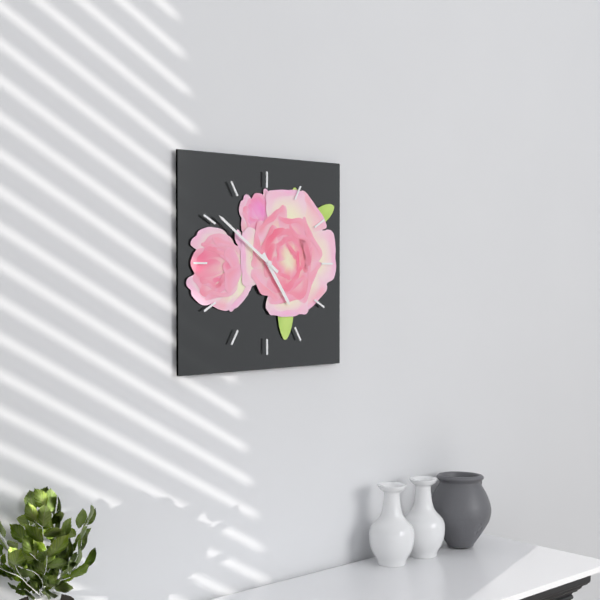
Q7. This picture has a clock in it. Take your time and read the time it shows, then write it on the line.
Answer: 4:51
